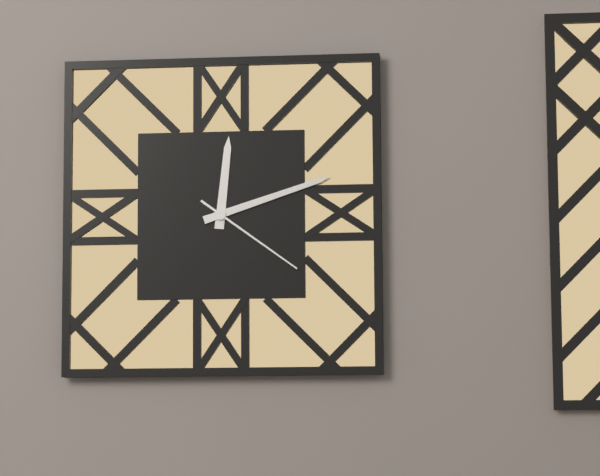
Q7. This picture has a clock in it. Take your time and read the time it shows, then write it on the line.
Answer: 12:12:21
